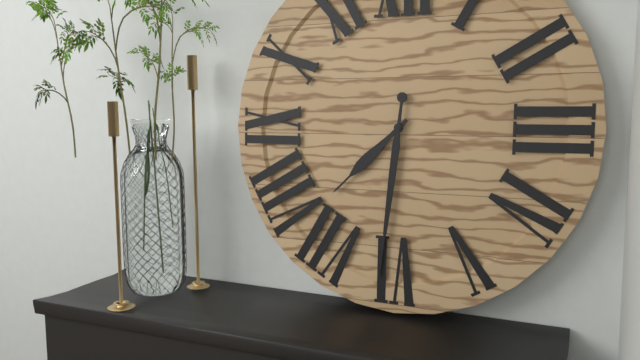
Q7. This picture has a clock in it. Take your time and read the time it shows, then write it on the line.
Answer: 7:31
